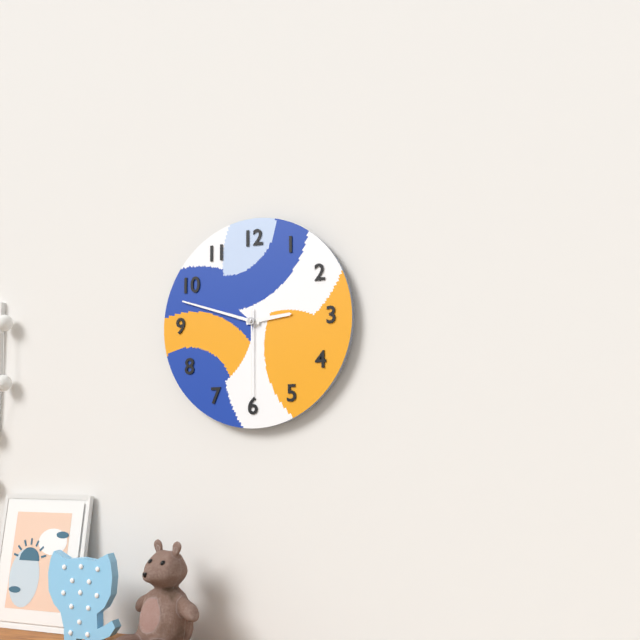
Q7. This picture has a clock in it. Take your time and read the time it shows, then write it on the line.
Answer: 2:48:30
